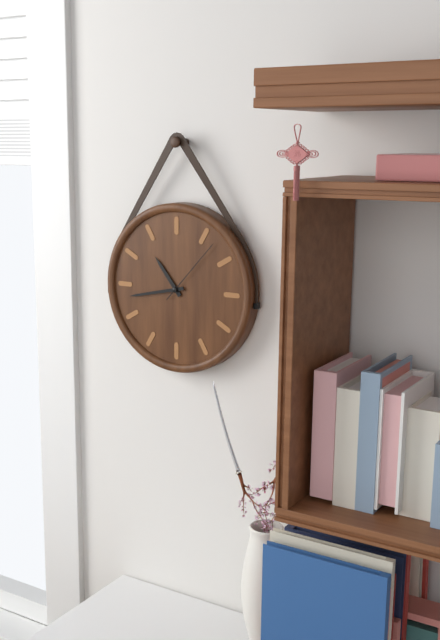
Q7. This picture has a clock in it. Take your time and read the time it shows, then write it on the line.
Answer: 10:43:07
